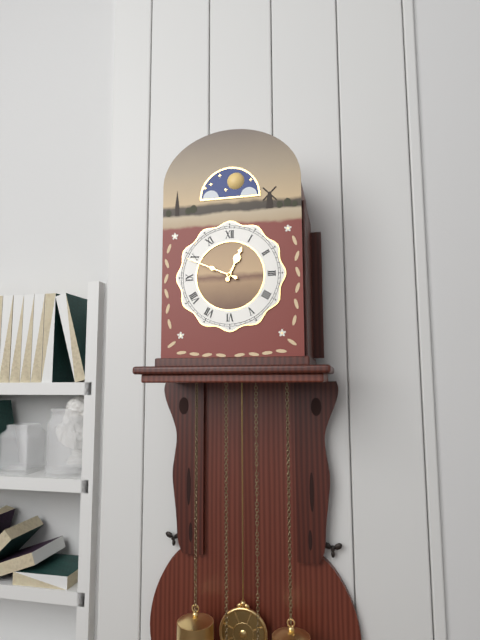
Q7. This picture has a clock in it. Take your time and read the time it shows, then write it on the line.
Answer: 12:49
